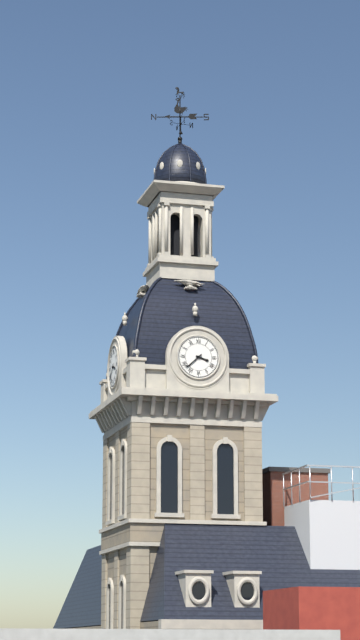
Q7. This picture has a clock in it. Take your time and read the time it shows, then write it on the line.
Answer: 3:38
